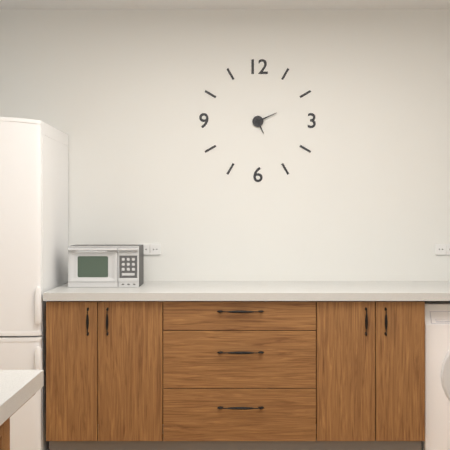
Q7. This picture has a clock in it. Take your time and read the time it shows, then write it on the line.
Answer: 5:11
